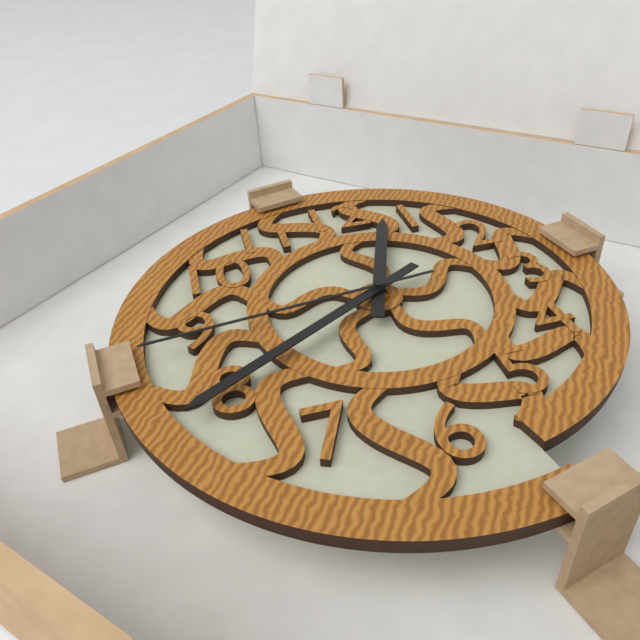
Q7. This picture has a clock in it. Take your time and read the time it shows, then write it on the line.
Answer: 12:40:44
